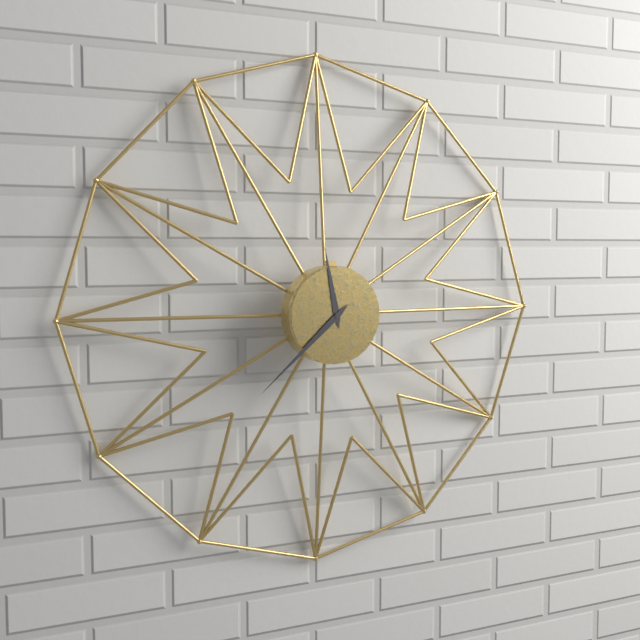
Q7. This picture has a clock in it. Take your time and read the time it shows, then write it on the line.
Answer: 11:38
